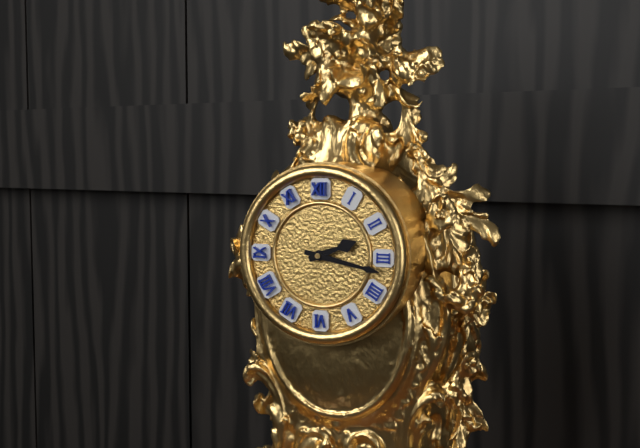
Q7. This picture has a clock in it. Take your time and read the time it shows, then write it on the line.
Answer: 2:17
